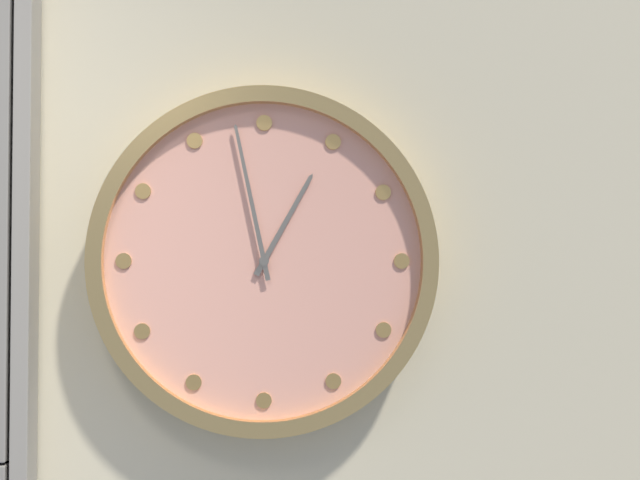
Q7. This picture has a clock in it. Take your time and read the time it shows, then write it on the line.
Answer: 12:58
